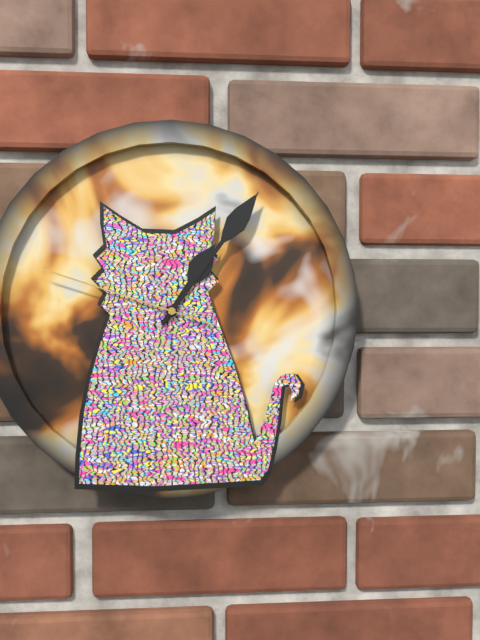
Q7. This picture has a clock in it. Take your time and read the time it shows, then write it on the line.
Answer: 1:06:48
